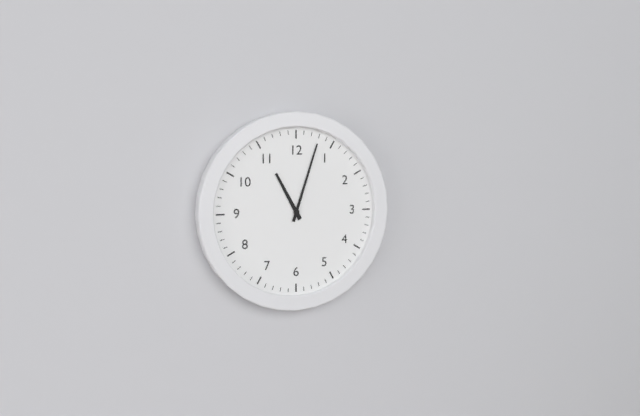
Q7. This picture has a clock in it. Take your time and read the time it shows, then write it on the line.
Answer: 11:03
